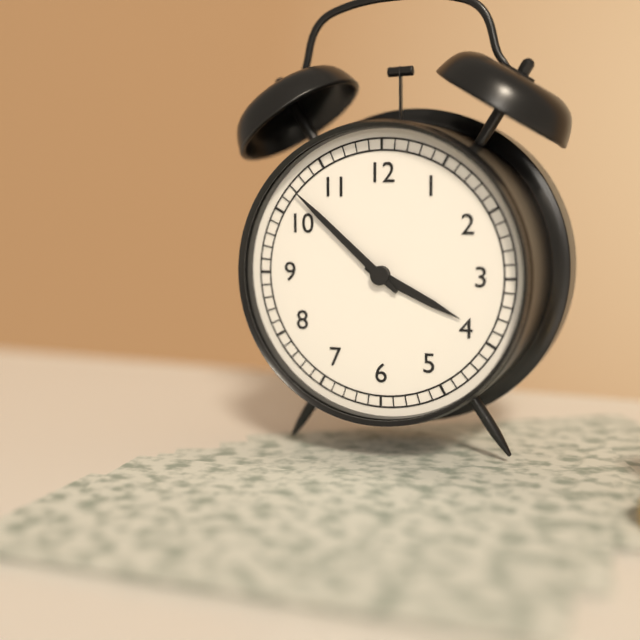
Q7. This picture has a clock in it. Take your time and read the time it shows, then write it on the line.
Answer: 3:52
